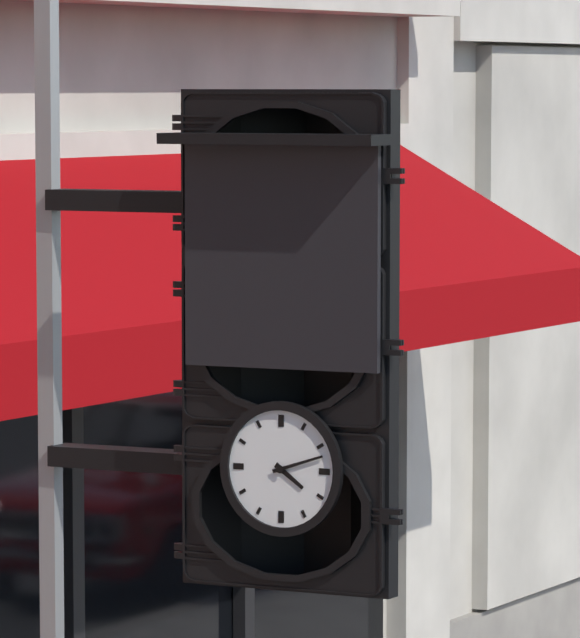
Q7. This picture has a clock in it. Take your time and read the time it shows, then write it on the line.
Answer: 4:12
